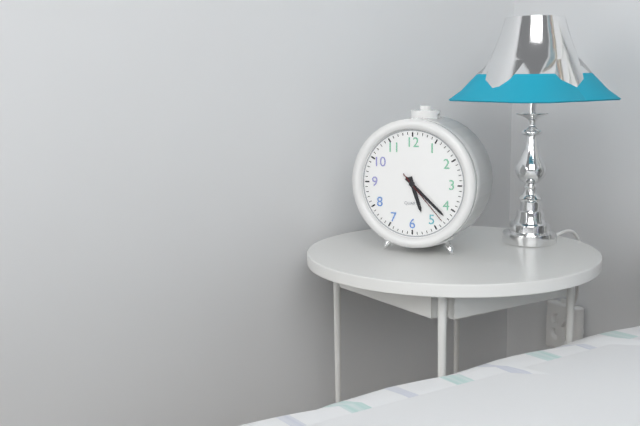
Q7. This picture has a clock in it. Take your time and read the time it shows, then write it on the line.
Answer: 5:22:23
